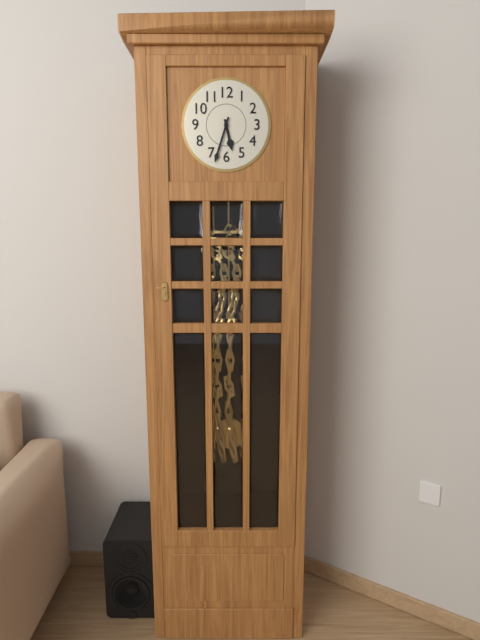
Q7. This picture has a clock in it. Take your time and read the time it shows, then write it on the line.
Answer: 5:33
